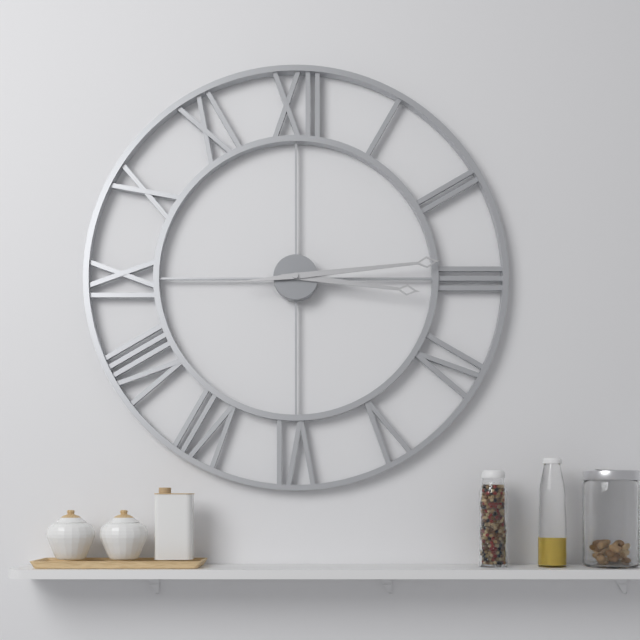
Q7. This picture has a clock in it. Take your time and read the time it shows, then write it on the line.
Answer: 3:14
